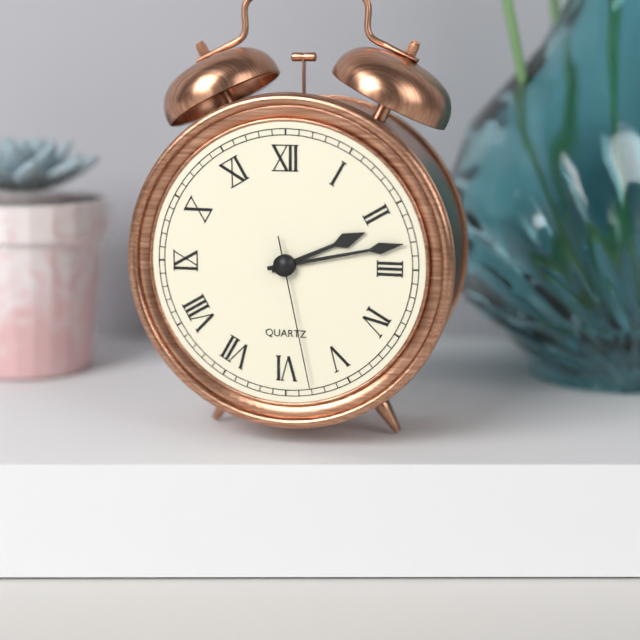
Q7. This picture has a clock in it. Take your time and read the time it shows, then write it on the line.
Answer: 2:13:28
